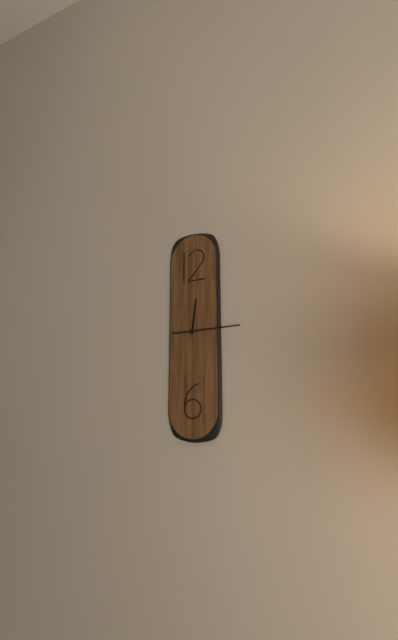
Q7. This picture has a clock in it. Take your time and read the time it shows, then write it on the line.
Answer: 12:15
